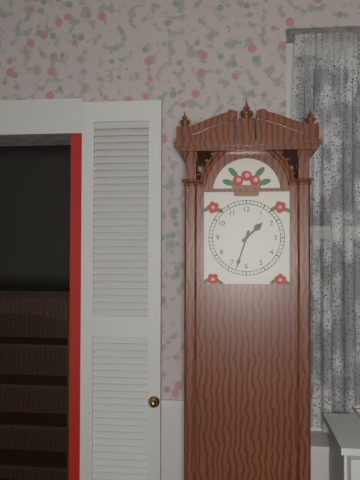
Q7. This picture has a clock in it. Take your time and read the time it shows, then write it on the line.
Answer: 1:33
